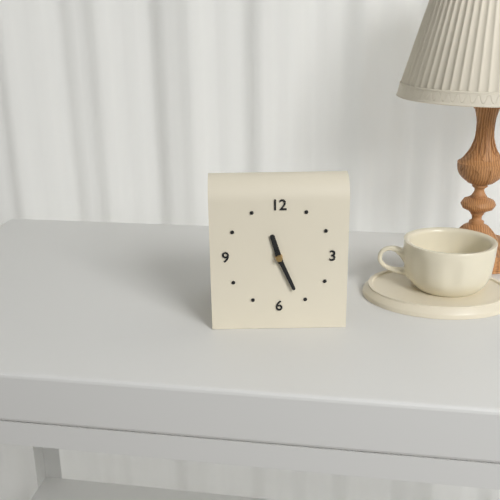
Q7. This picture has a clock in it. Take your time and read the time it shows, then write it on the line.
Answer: 11:26
